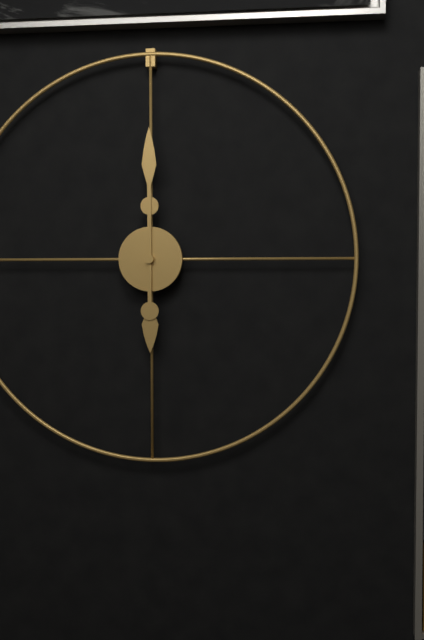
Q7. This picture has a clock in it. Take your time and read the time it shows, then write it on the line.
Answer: 6:00
